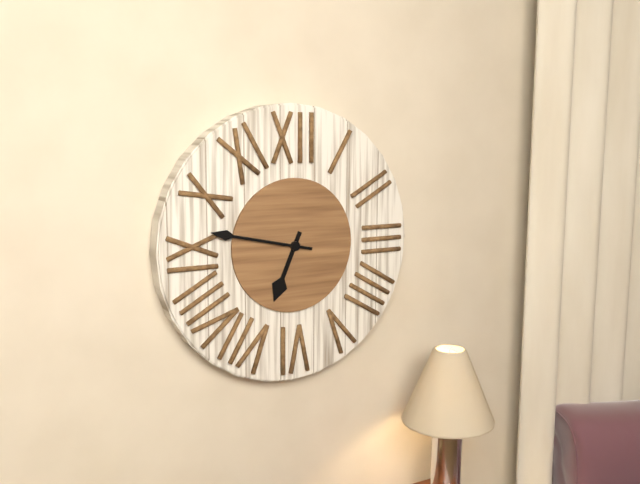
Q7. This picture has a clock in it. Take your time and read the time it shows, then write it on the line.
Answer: 6:47
